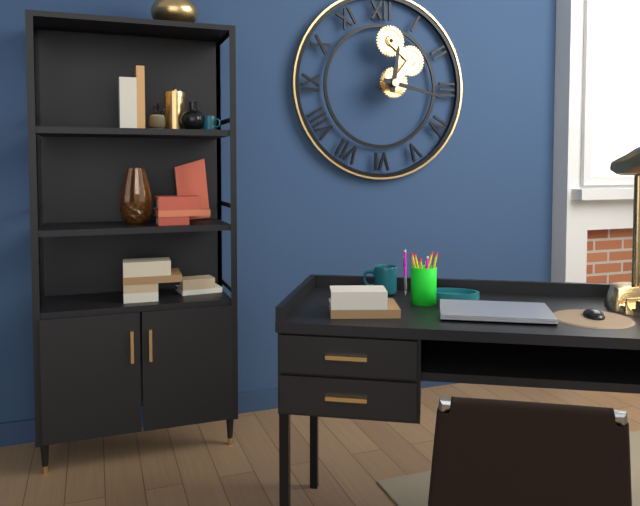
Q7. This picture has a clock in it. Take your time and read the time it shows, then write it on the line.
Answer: 12:17
